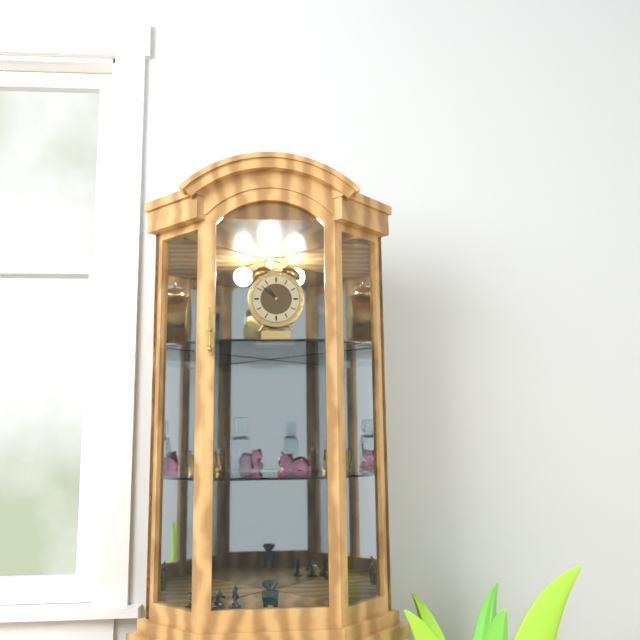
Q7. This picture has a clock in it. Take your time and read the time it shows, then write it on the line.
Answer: 10:52
